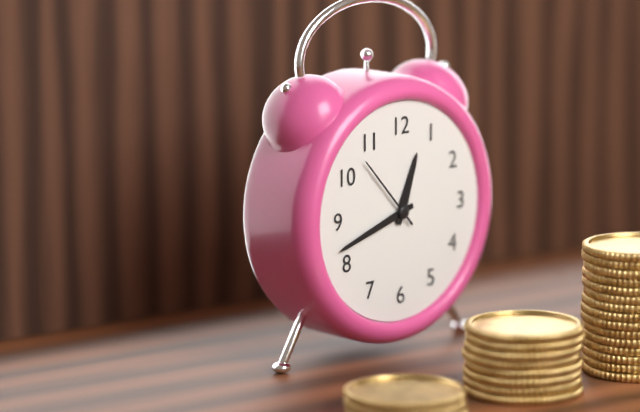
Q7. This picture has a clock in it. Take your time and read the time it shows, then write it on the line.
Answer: 12:42:53
